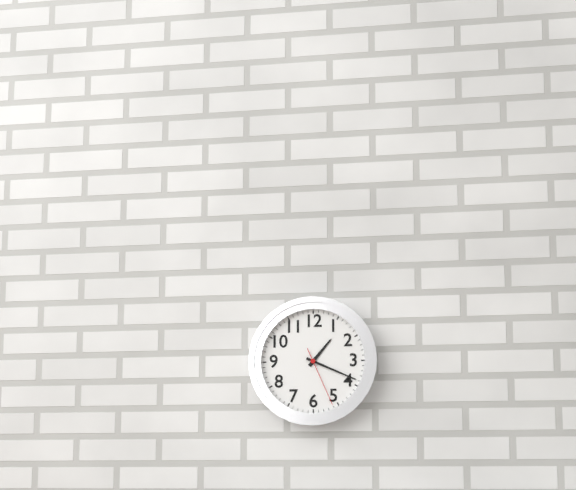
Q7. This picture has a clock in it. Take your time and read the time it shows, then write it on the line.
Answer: 1:19:26
